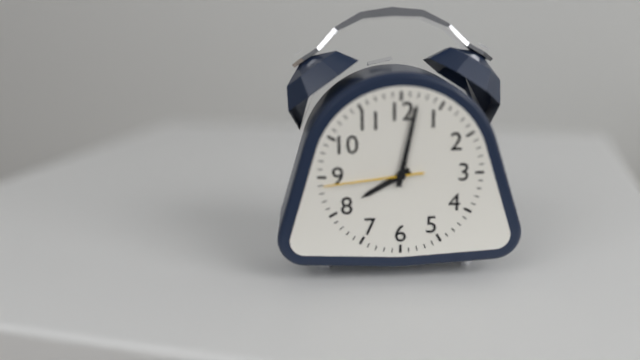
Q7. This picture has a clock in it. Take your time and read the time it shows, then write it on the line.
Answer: 8:02:44
